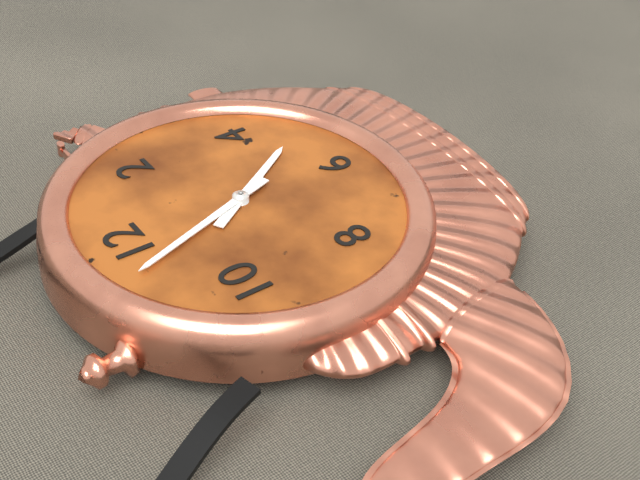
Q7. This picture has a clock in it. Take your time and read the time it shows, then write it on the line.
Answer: 4:57
